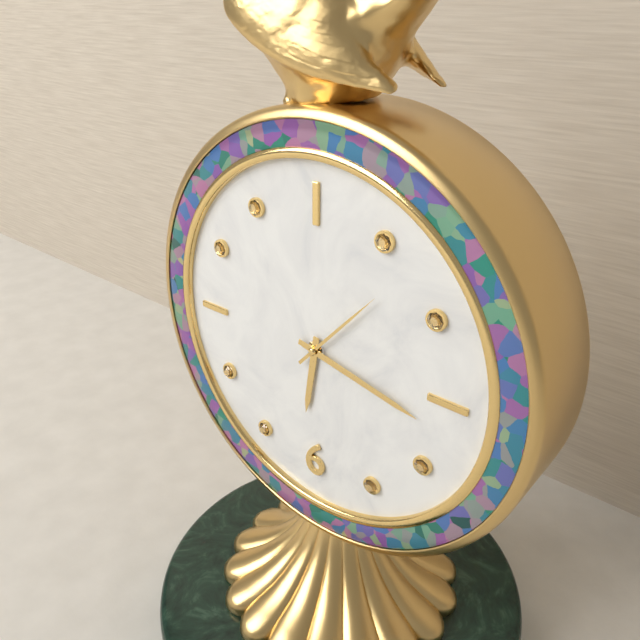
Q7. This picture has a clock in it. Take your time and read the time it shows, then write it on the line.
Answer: 6:17:07
